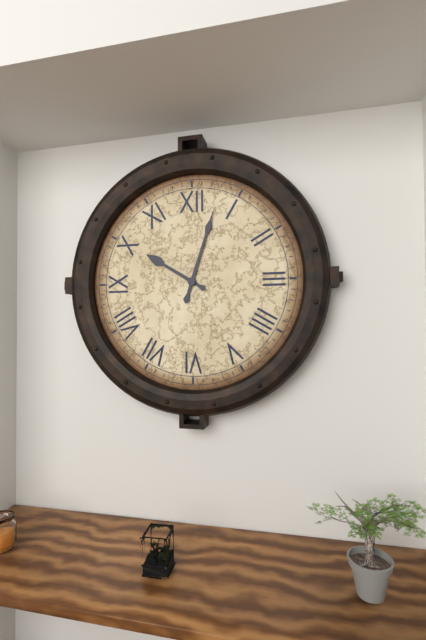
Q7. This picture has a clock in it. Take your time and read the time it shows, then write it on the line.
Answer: 10:03
